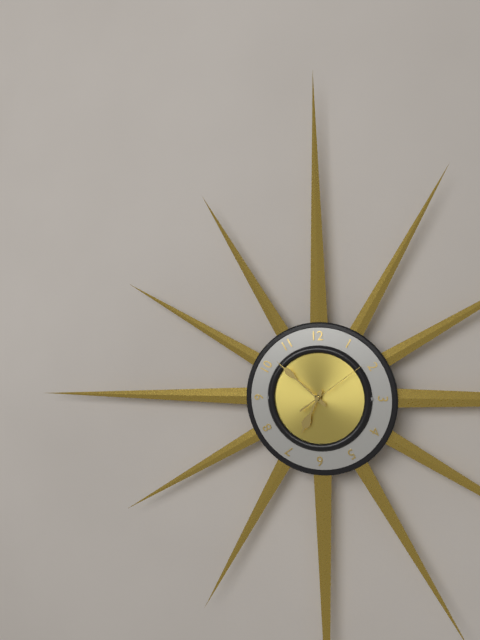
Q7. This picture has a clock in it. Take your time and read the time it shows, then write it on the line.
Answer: 6:52:09
